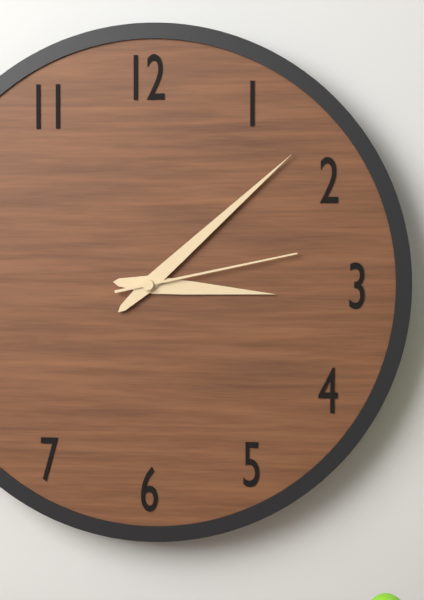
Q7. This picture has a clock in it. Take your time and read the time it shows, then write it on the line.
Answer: 3:08:13
